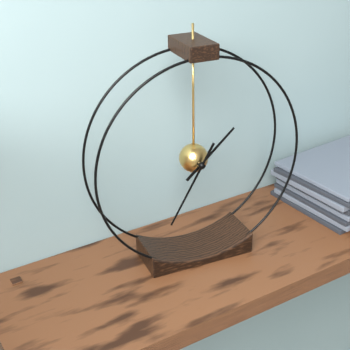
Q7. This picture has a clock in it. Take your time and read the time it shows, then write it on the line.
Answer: 1:35
